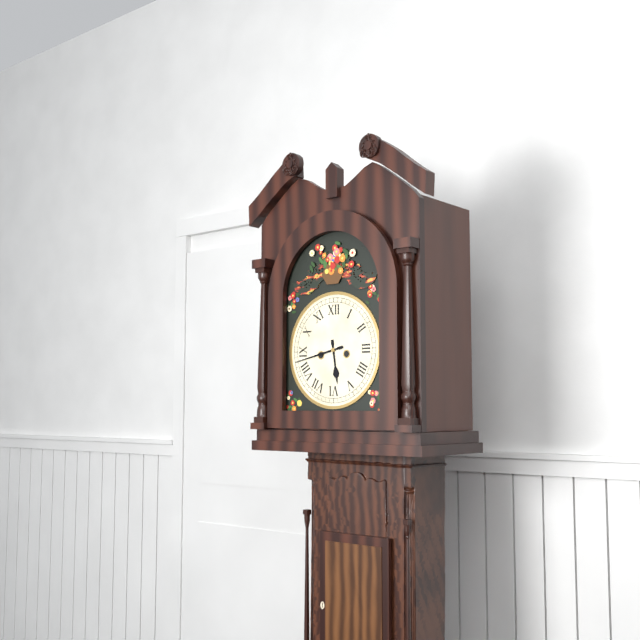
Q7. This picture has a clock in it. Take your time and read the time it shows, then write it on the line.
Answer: 5:43
